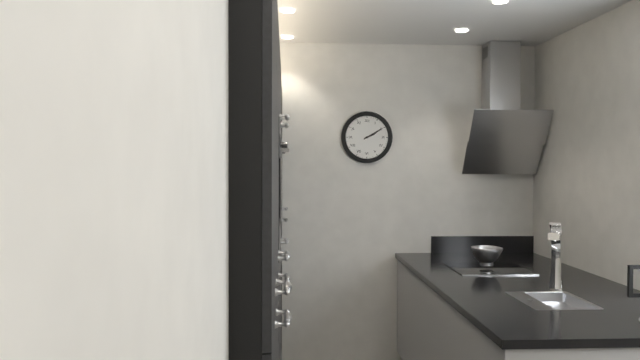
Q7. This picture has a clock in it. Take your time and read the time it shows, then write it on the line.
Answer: 2:10
